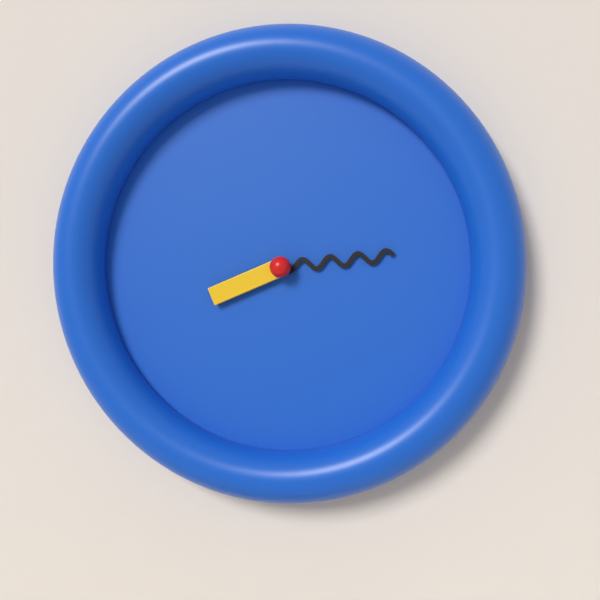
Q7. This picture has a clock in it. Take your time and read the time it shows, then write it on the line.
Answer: 8:14
